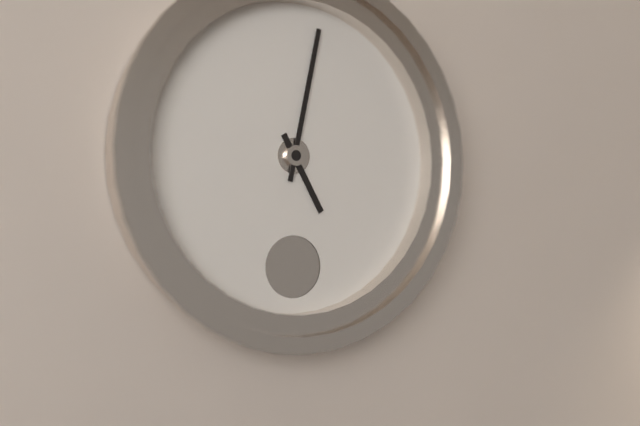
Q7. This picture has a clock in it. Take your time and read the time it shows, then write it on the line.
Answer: 5:02
